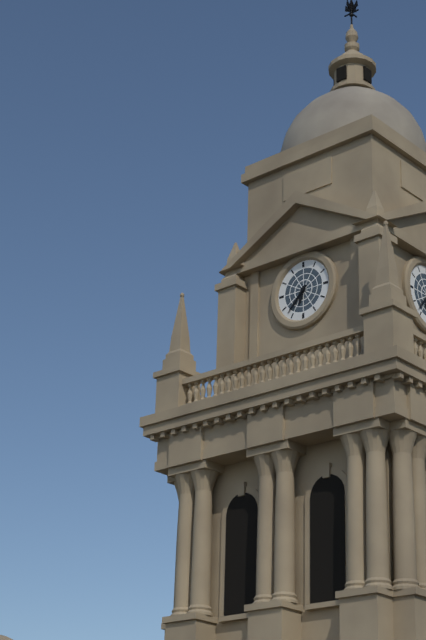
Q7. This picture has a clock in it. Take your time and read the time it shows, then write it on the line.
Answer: 6:37
